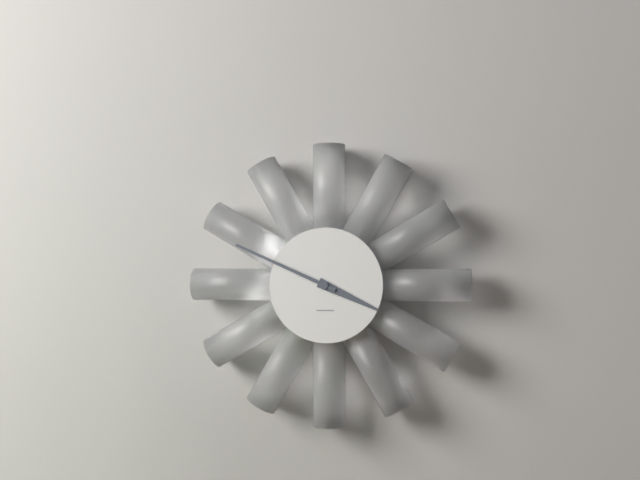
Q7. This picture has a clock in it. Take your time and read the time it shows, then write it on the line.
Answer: 3:49
